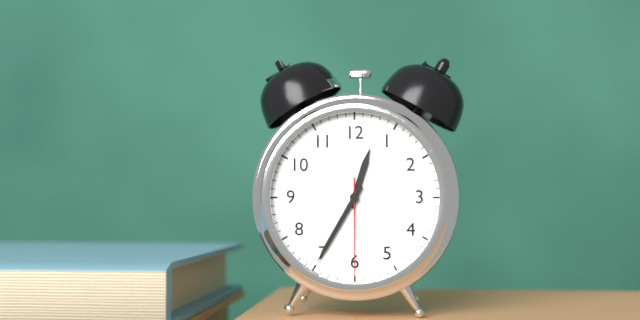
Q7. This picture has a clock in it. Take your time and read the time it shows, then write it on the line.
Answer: 12:35:30
